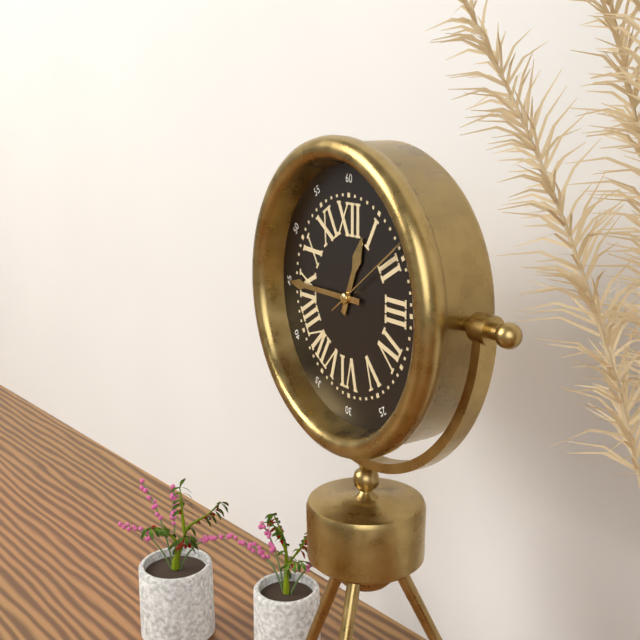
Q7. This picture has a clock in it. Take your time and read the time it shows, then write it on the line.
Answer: 12:45:09
